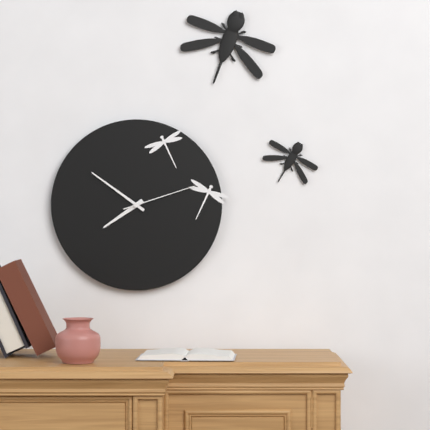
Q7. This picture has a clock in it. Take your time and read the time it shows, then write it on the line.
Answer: 7:51:12
